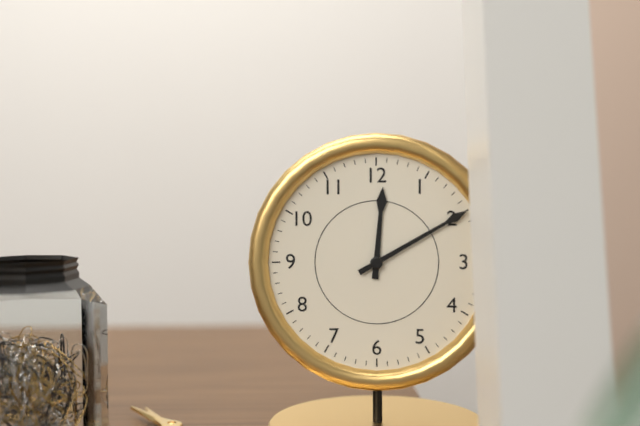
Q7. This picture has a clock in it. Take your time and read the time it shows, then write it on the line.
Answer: 12:10
